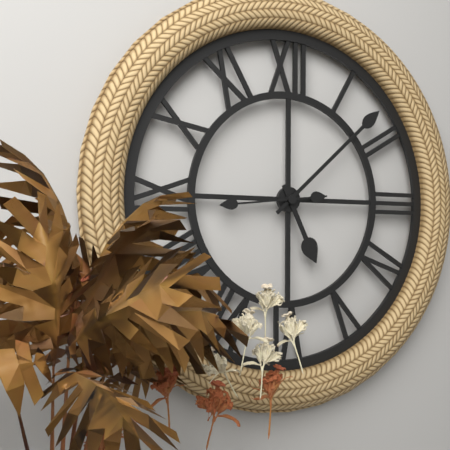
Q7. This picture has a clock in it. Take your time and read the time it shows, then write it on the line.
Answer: 5:08:44
